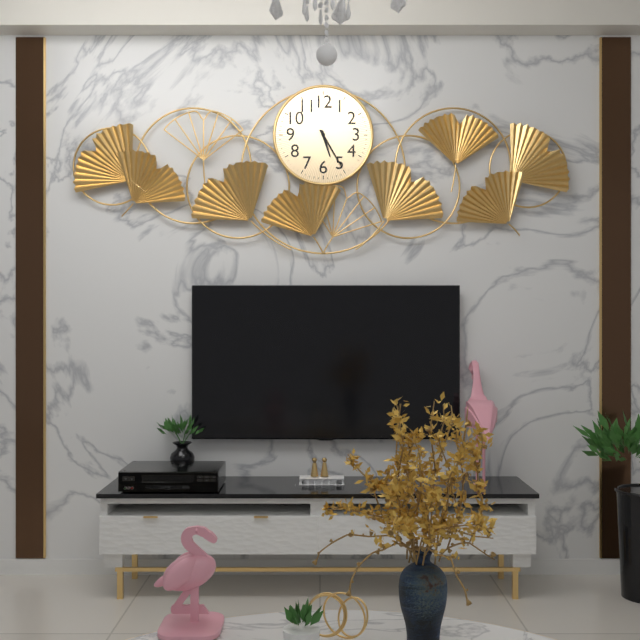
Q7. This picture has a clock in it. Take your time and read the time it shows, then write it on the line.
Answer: 5:25
